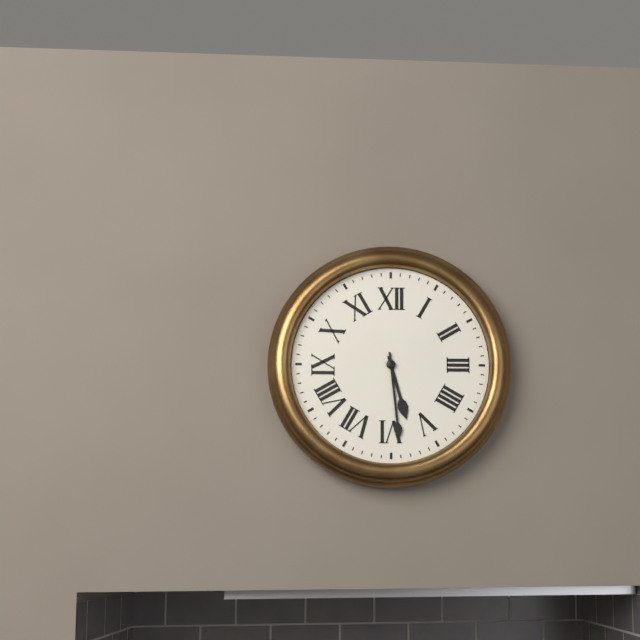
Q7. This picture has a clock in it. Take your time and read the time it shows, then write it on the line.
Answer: 5:29
